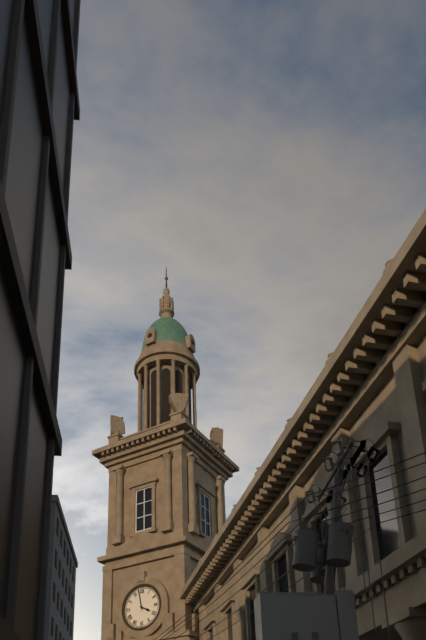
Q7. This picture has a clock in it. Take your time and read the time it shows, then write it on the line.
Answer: 3:58
